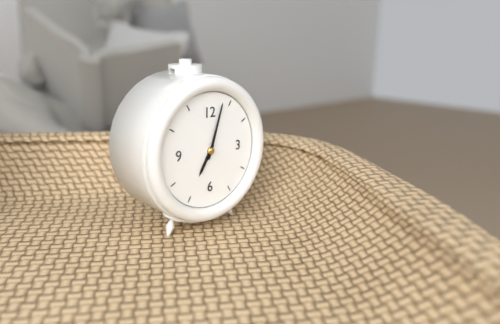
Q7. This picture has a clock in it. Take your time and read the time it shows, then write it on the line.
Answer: 7:03
